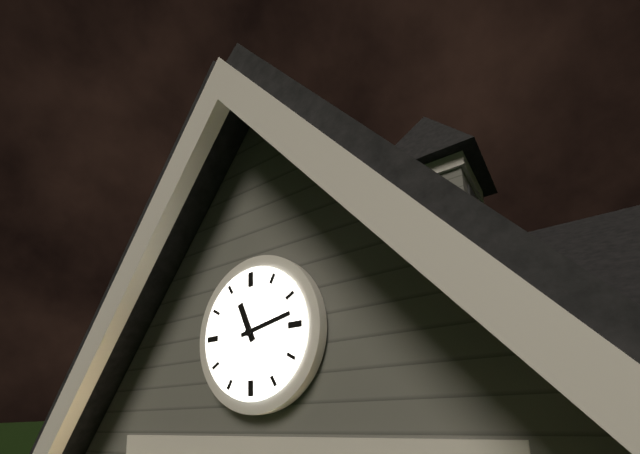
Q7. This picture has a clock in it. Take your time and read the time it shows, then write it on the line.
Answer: 11:13
